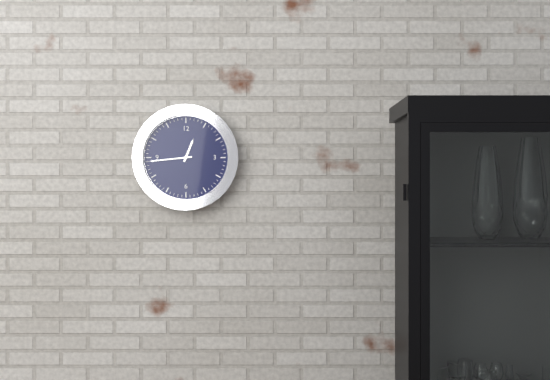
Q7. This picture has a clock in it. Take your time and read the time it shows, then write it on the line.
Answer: 12:44
